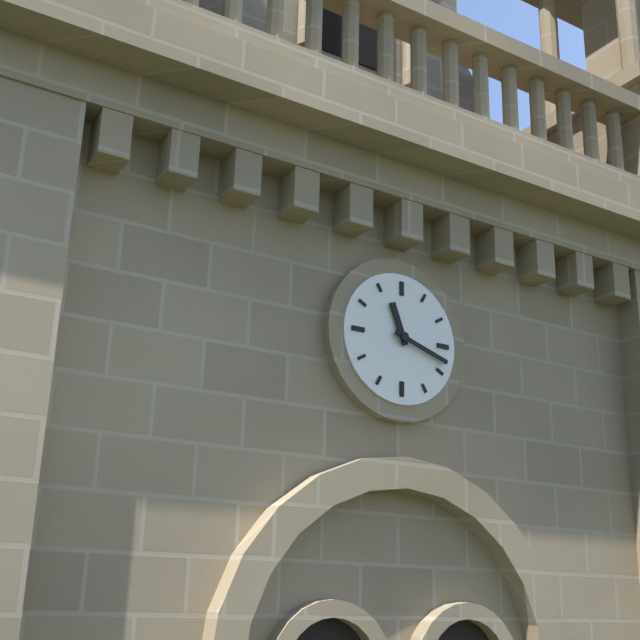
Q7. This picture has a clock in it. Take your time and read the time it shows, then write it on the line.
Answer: 11:18
